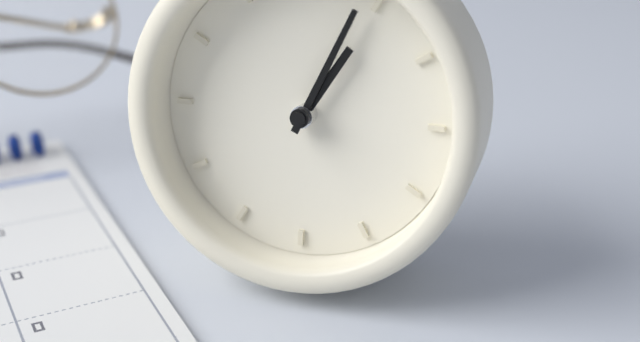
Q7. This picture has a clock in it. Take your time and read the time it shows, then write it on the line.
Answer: 1:04
